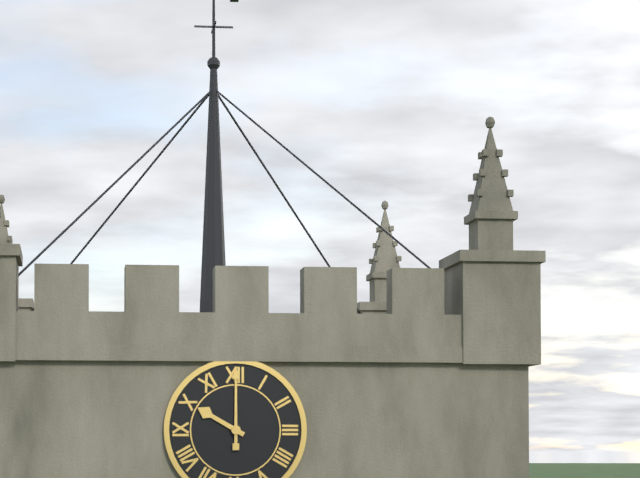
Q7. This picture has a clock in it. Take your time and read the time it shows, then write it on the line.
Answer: 10:00
